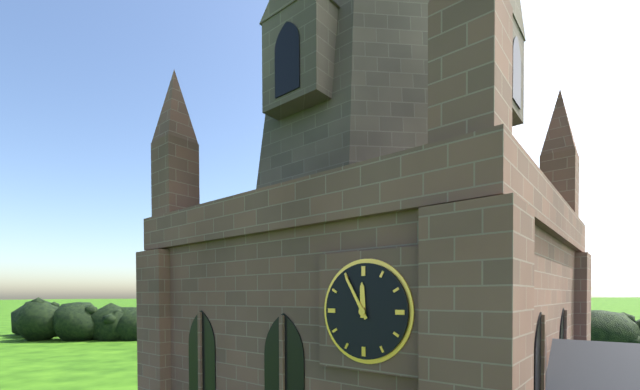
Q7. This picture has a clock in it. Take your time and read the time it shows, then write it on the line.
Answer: 11:55
